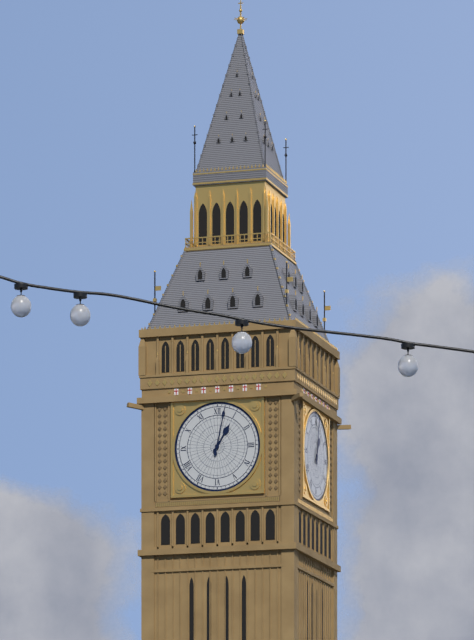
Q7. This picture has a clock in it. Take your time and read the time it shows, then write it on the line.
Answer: 1:02
